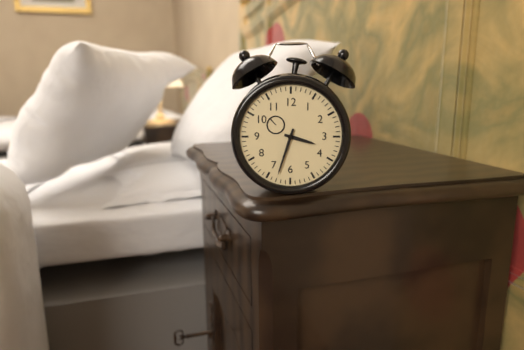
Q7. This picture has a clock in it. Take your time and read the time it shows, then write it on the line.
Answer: 3:33
